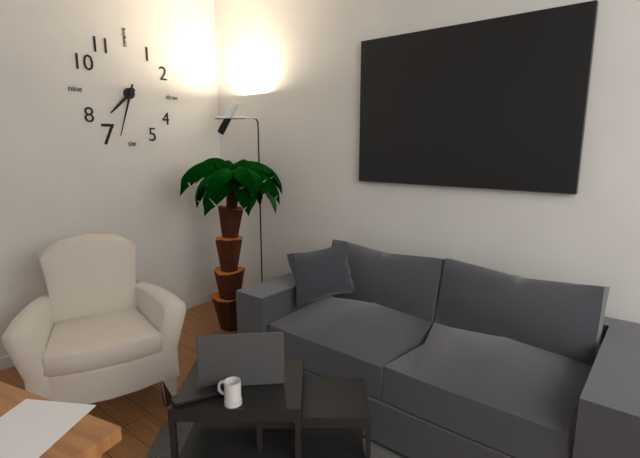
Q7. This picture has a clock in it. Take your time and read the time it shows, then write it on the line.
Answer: 7:33
